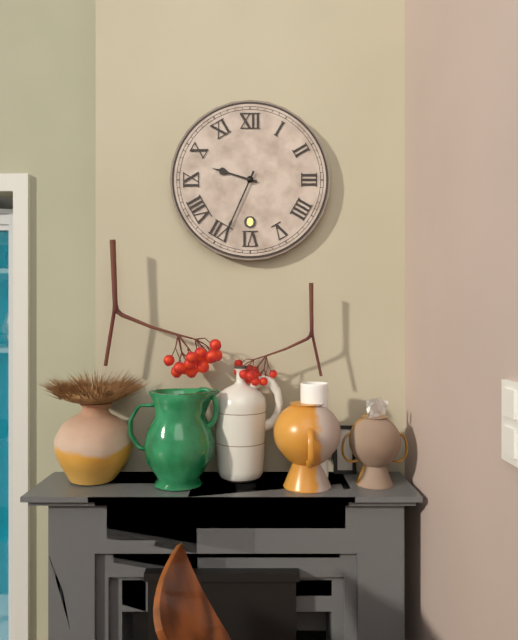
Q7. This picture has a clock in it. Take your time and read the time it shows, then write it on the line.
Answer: 9:34
